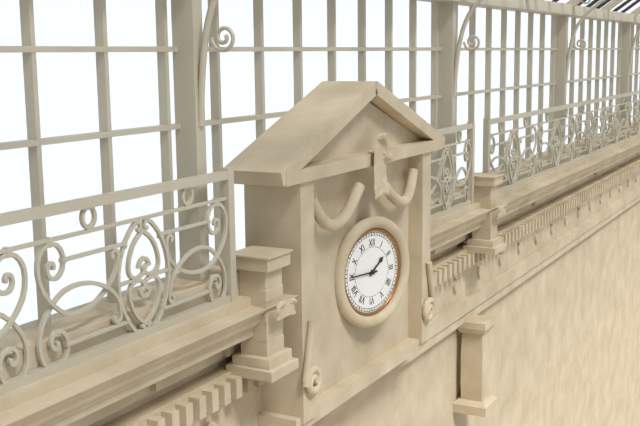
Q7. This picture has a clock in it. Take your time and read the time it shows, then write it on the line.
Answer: 1:45
